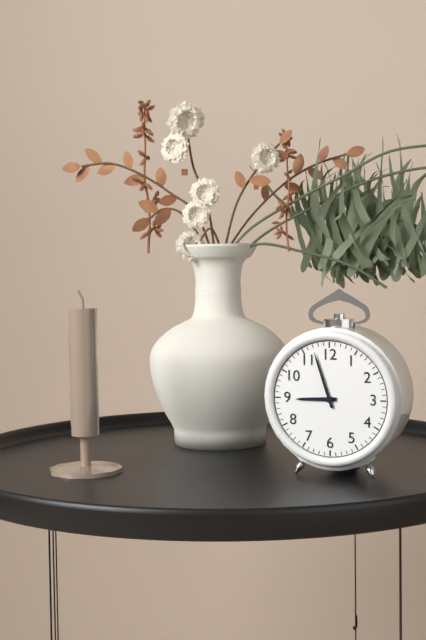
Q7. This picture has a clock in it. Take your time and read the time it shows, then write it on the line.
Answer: 8:57
